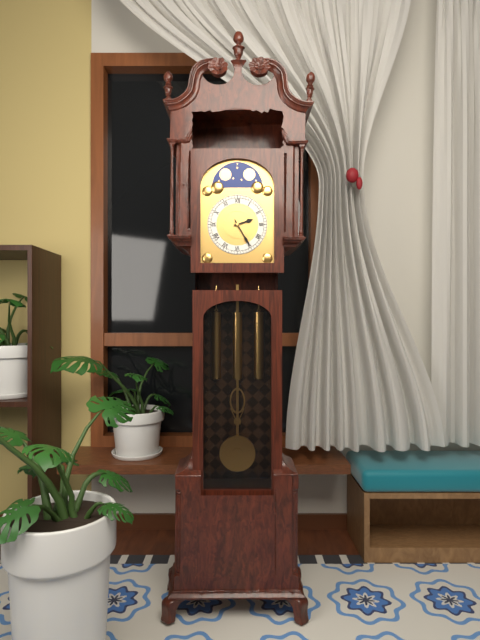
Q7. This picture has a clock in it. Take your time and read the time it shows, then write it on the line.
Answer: 2:25
